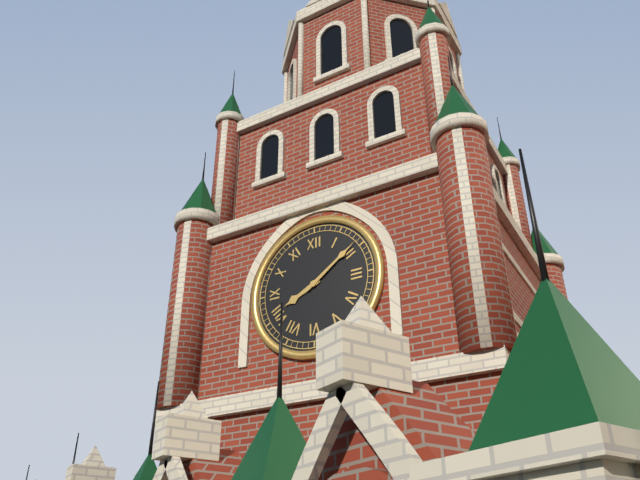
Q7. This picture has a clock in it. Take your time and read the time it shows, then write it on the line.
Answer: 8:09
